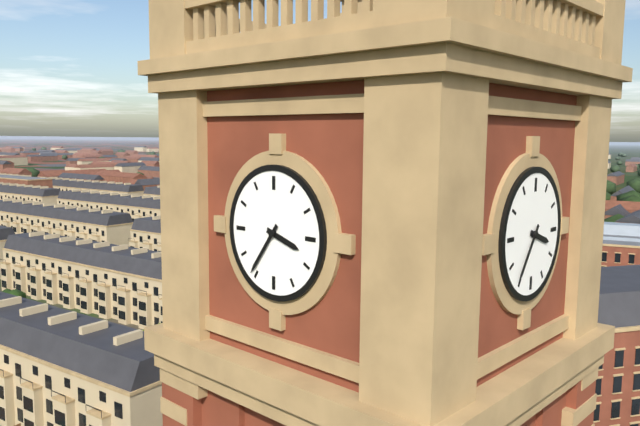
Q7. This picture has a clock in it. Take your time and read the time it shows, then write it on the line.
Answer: 3:36
